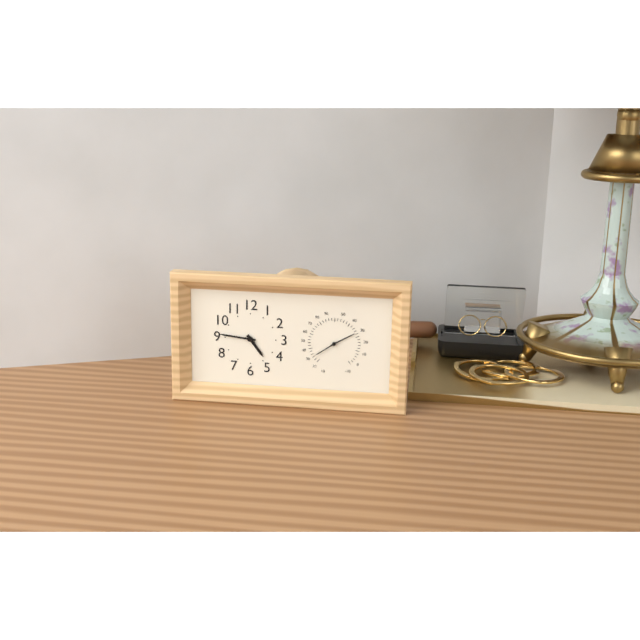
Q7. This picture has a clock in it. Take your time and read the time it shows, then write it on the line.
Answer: 4:46
